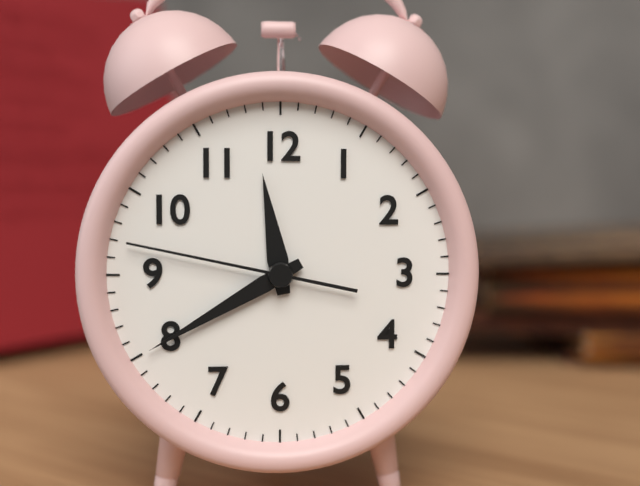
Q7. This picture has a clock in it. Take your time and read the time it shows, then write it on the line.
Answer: 11:40:47
